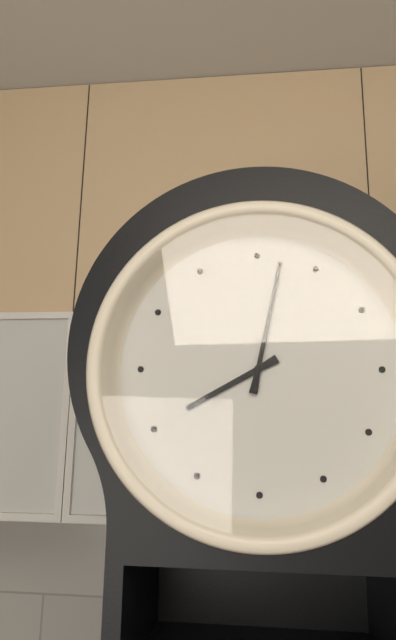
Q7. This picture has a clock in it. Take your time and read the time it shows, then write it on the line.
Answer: 8:02
